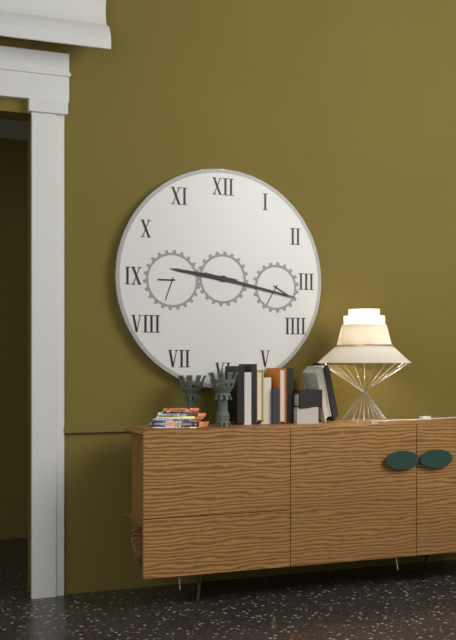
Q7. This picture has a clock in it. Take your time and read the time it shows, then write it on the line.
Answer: 9:17
